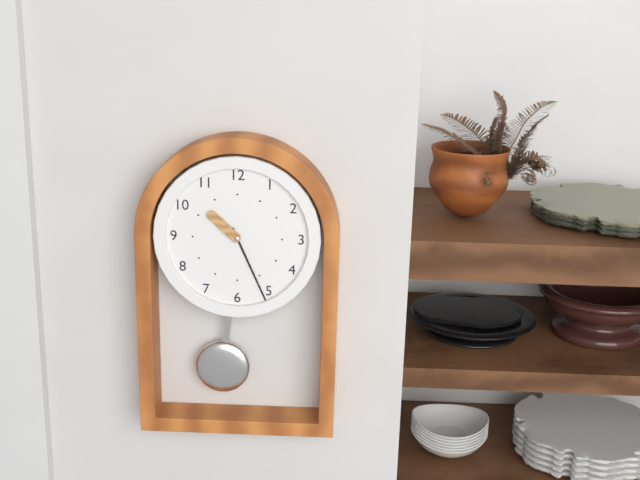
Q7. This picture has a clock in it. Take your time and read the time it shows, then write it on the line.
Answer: 10:26
